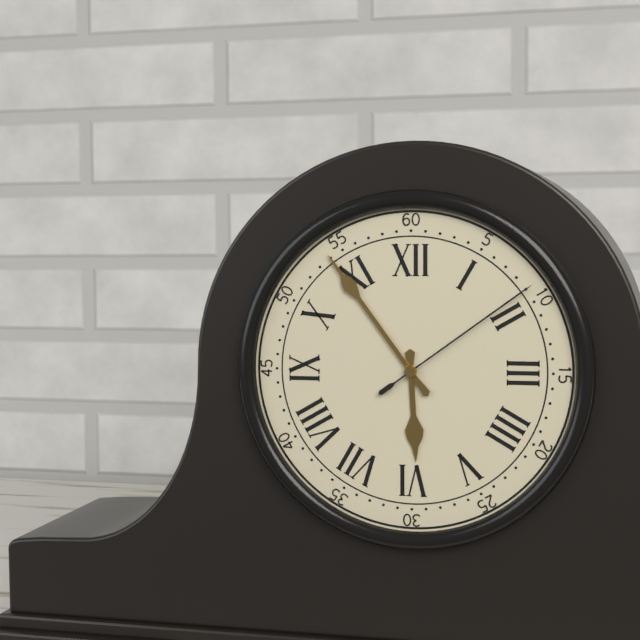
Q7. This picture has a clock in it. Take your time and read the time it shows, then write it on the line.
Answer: 5:54:09
